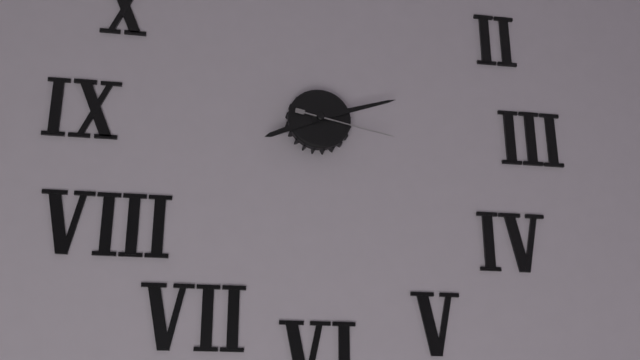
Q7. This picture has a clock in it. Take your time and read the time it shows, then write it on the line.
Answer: 8:12:17
